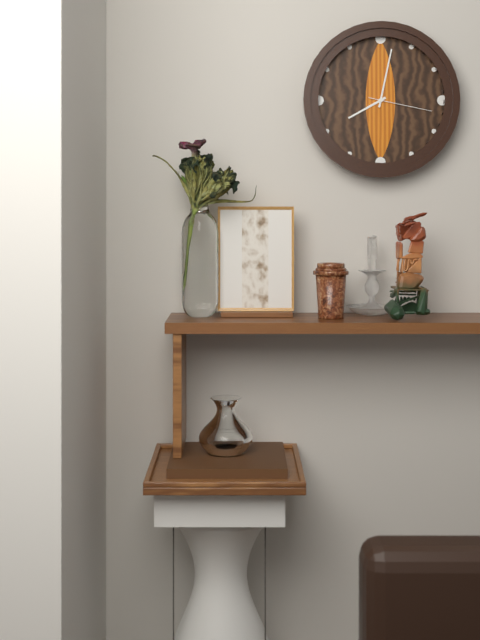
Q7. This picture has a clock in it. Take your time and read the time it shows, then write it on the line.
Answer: 8:02:17
